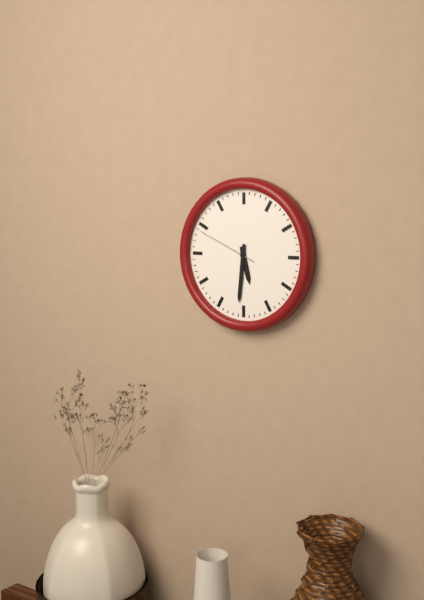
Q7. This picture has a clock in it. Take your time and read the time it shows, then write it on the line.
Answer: 5:31:49
